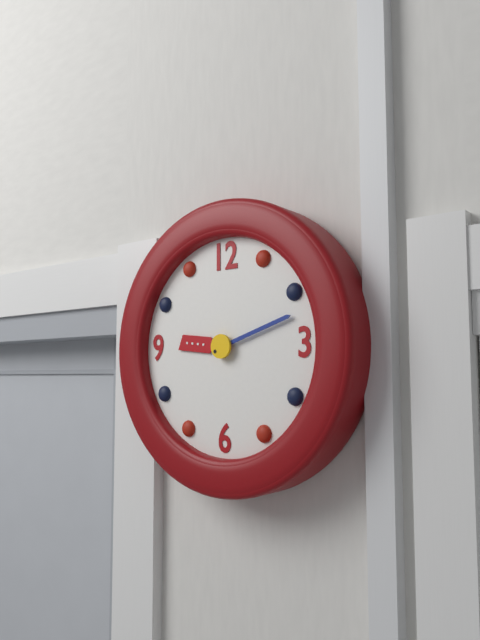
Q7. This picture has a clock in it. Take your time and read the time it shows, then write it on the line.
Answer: 9:12
